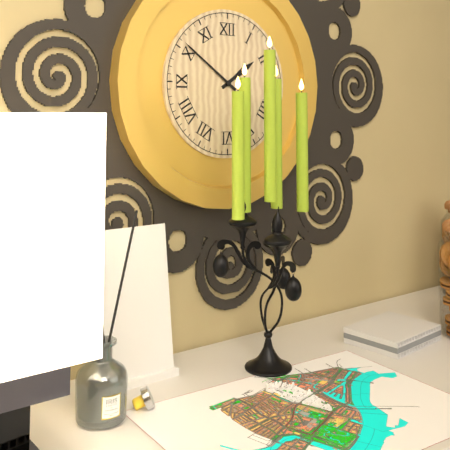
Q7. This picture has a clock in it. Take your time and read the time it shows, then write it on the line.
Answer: 1:51
